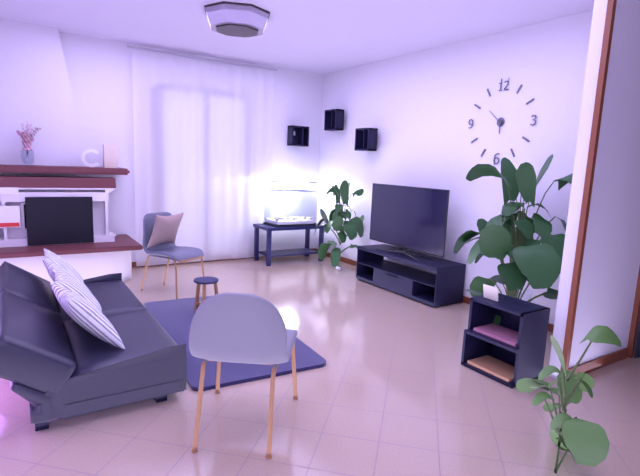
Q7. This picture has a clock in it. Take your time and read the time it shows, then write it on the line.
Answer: 5:52
